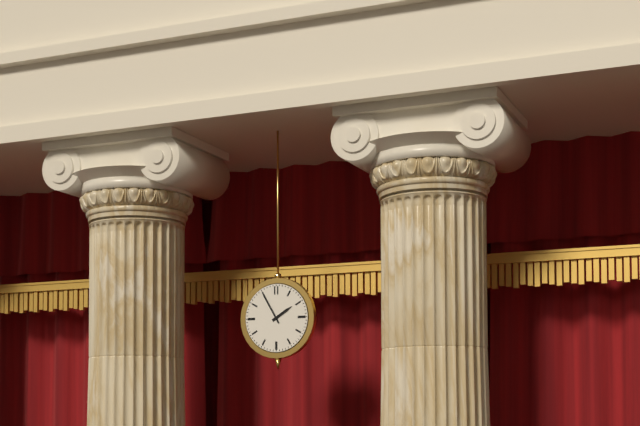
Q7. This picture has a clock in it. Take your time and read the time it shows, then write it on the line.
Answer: 1:55
